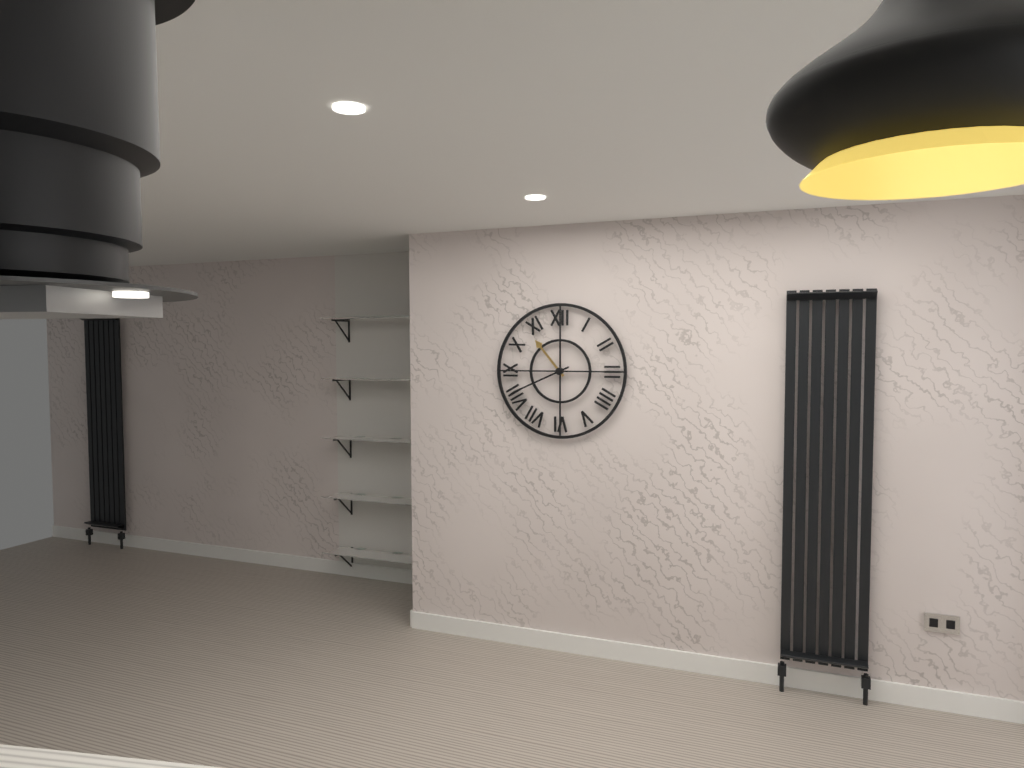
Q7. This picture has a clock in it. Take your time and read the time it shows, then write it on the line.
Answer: 10:41
